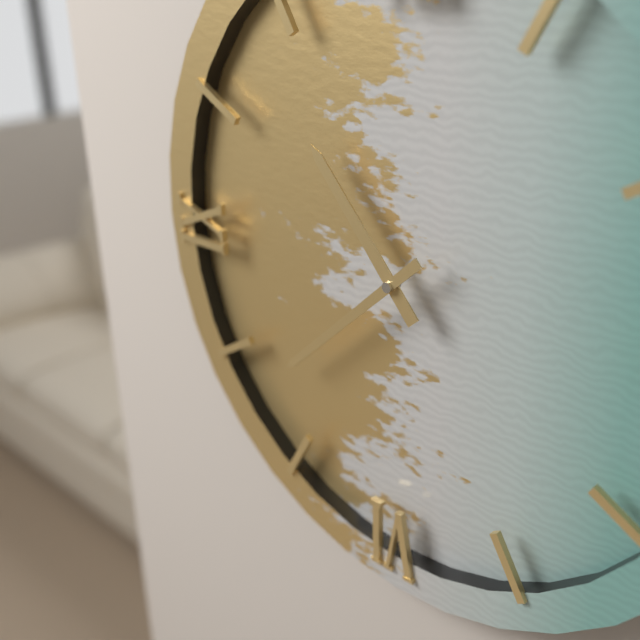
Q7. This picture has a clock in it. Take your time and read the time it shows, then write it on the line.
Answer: 10:38
